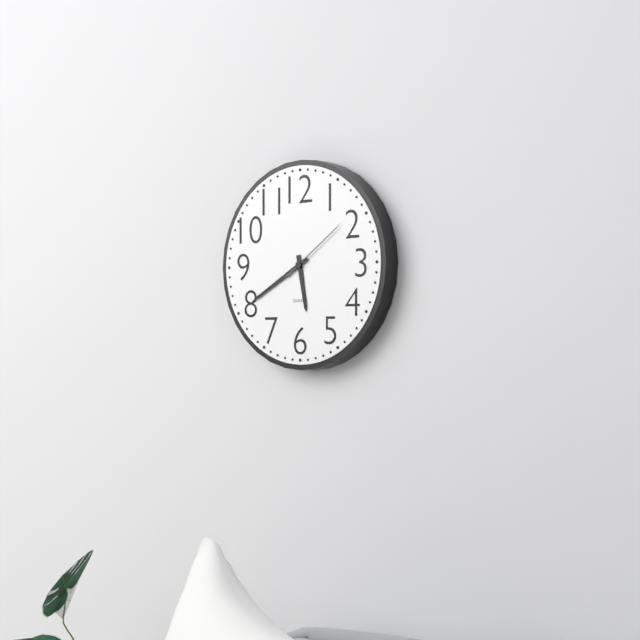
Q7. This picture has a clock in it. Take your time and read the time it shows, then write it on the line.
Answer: 5:40:09
